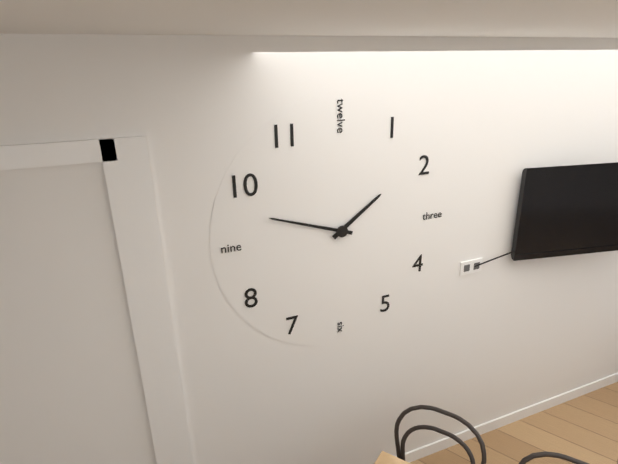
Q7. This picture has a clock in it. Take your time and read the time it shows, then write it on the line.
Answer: 1:48
